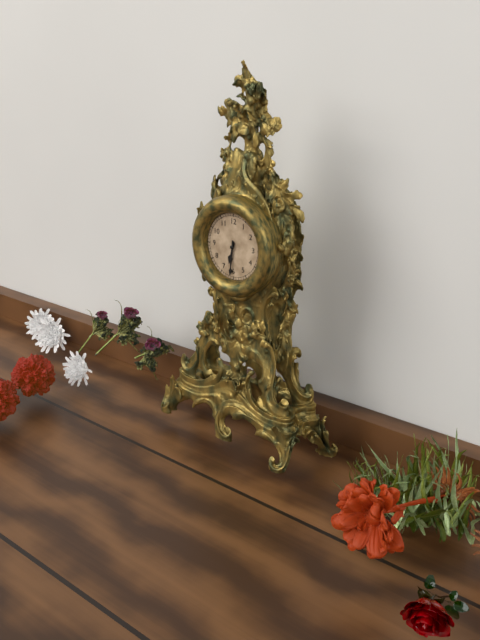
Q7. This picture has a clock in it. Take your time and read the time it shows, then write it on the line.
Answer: 6:31
